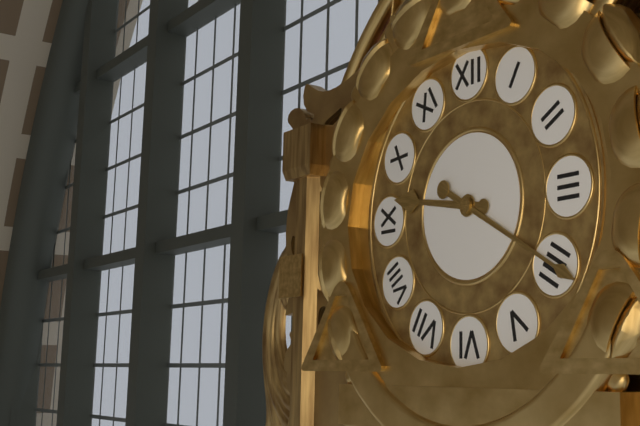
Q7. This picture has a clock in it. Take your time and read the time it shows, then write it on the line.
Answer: 9:20
